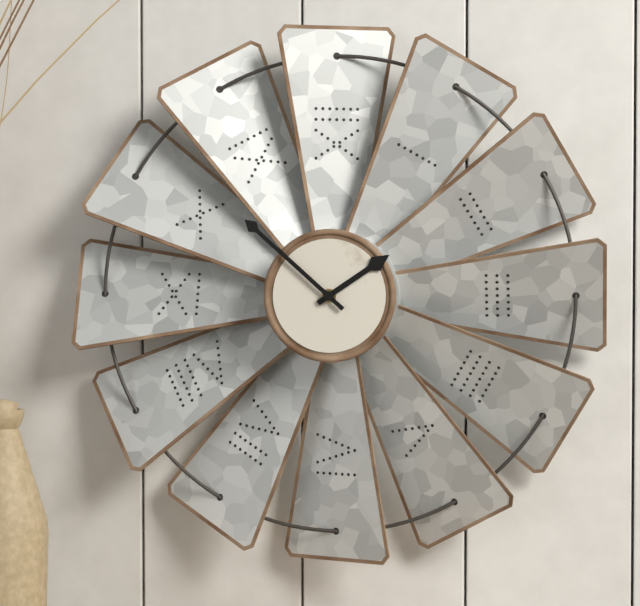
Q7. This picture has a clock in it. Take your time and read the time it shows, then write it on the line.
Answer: 1:52
